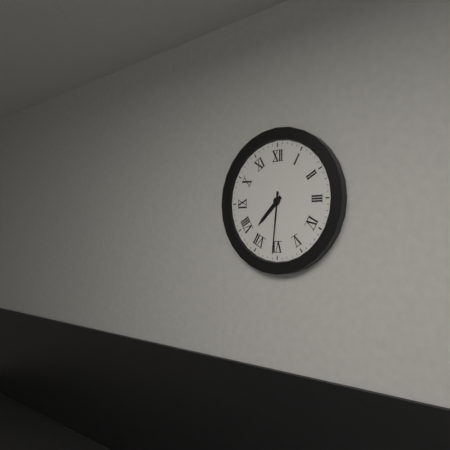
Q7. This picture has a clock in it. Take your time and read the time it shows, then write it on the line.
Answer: 7:31
